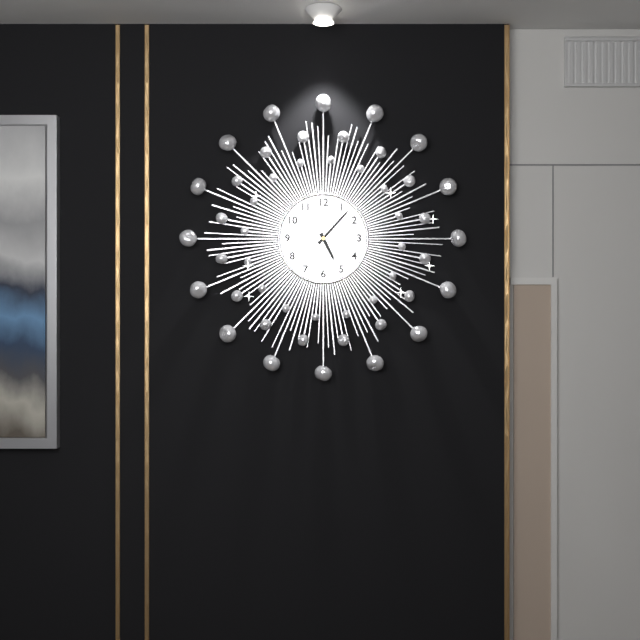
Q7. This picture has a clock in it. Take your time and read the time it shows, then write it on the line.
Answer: 5:07
